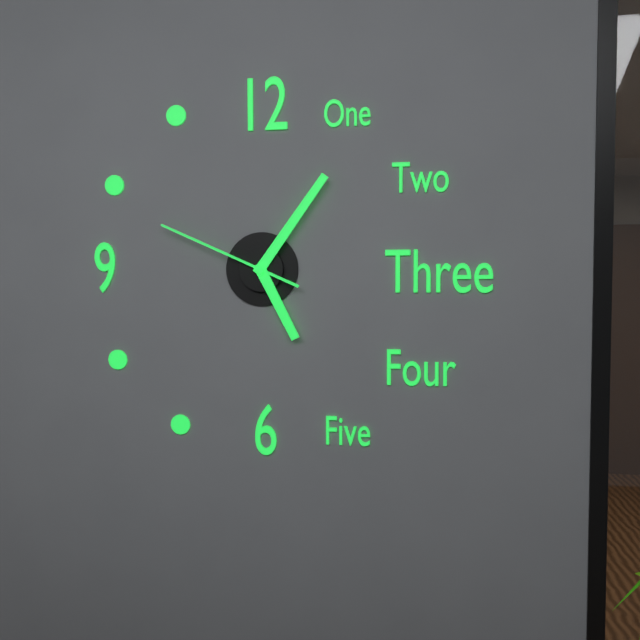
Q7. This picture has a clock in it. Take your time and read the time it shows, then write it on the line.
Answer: 5:06:49
